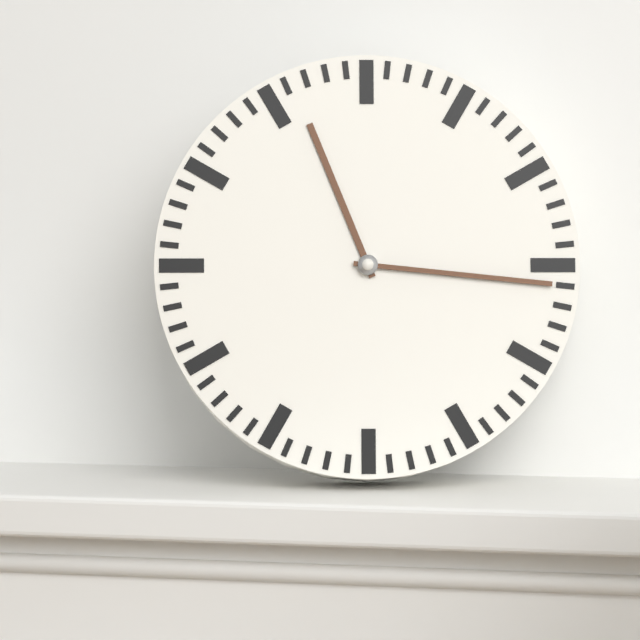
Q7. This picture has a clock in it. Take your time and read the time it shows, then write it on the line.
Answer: 11:16
